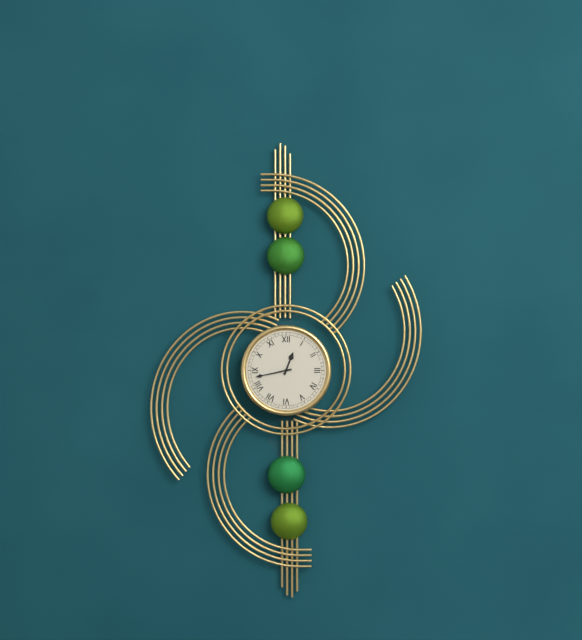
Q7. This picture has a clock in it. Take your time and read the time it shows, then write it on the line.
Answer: 12:43
